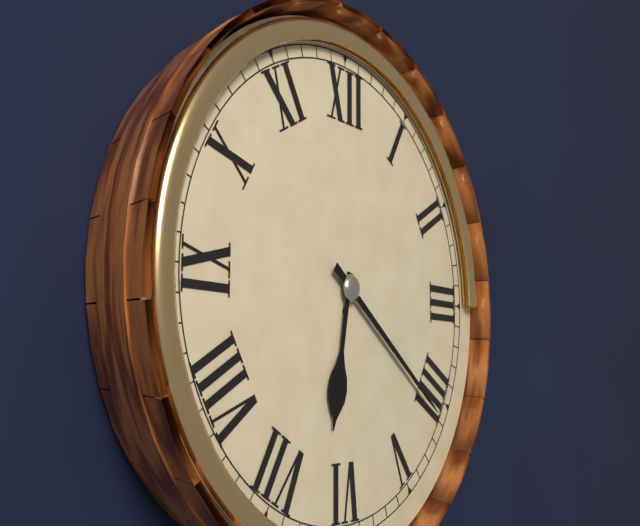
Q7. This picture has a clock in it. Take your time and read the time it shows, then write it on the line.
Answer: 6:21
